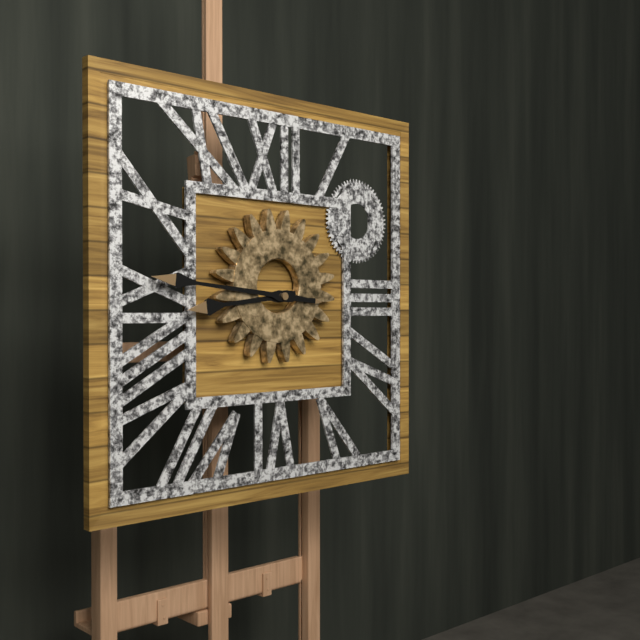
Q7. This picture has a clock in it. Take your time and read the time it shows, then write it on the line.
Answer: 8:46
